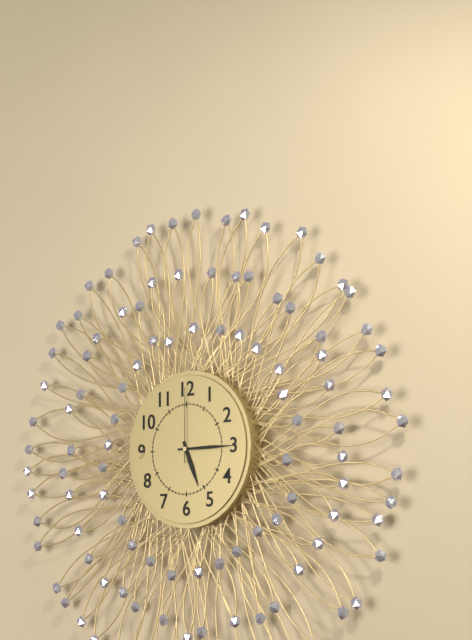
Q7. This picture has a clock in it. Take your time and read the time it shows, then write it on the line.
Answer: 5:15:00
